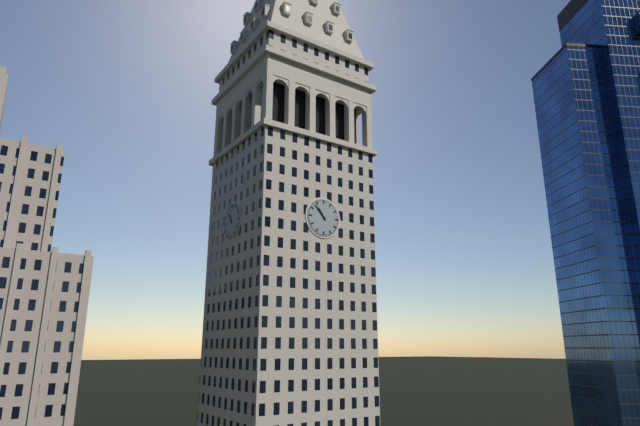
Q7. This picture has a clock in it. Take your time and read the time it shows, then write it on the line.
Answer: 10:53
